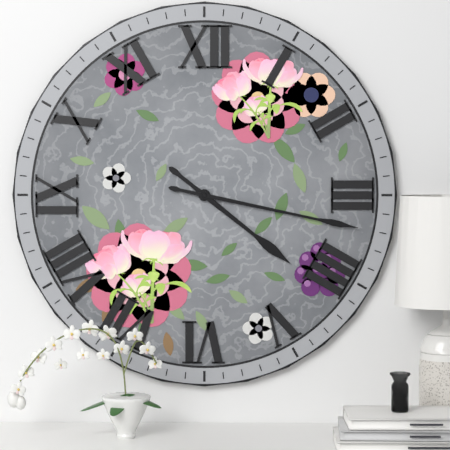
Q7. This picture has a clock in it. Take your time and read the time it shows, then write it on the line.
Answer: 4:17
